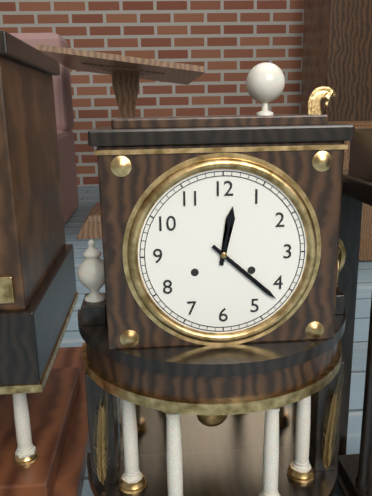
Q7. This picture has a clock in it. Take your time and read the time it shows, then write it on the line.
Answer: 12:22
